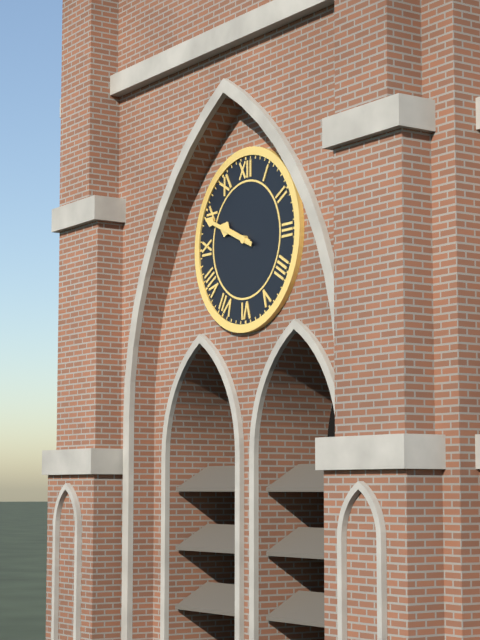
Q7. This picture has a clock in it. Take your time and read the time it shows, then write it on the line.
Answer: 9:49
